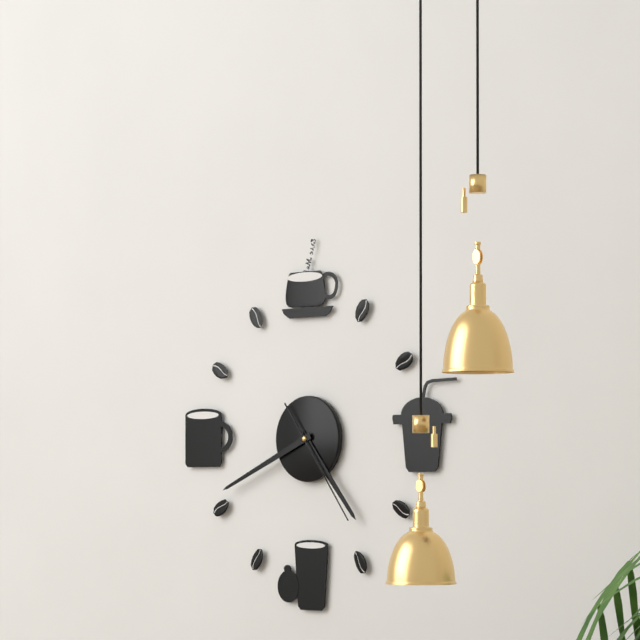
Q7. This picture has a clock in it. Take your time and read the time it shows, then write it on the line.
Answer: 4:41:24
